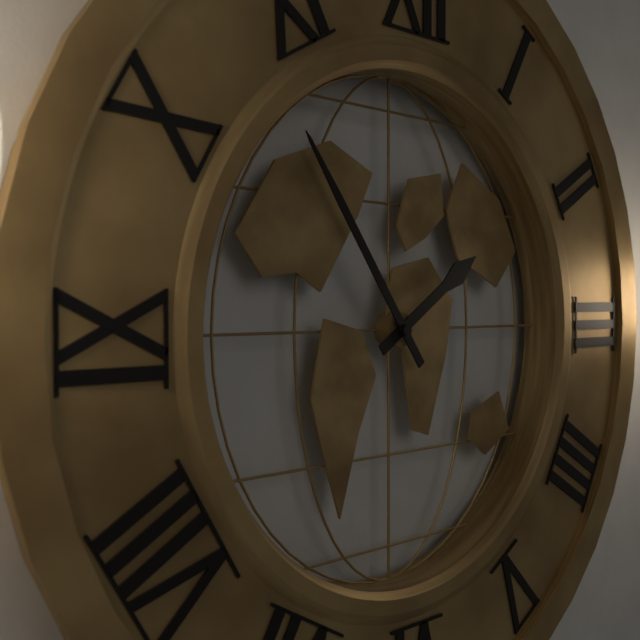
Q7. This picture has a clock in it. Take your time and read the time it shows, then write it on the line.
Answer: 1:54
